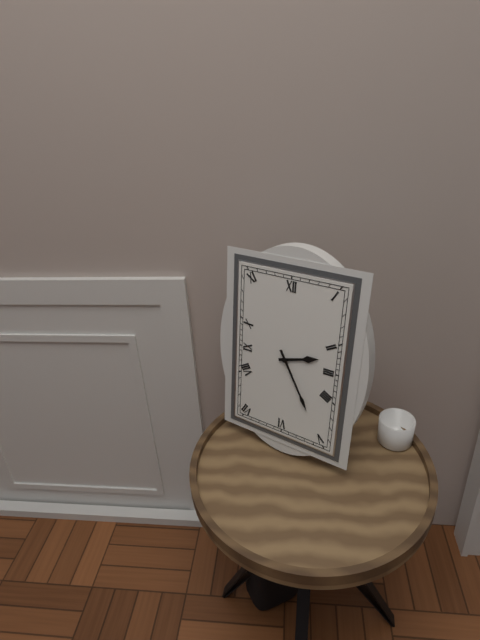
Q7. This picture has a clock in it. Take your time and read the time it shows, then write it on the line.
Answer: 2:25
